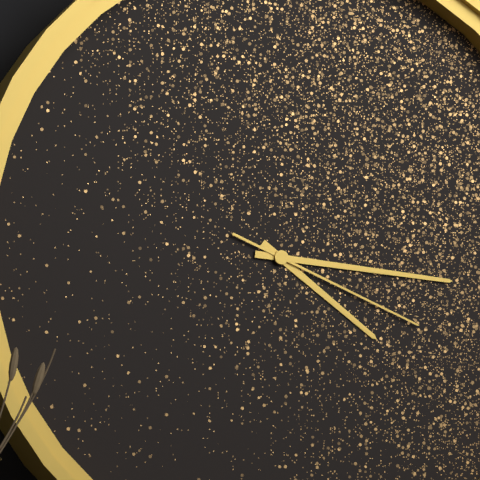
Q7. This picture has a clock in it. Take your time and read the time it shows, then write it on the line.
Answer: 4:16:19
